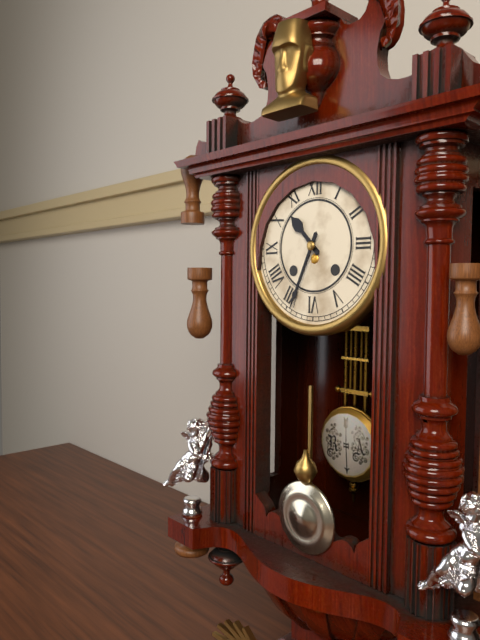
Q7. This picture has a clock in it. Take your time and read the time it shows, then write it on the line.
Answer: 10:34
